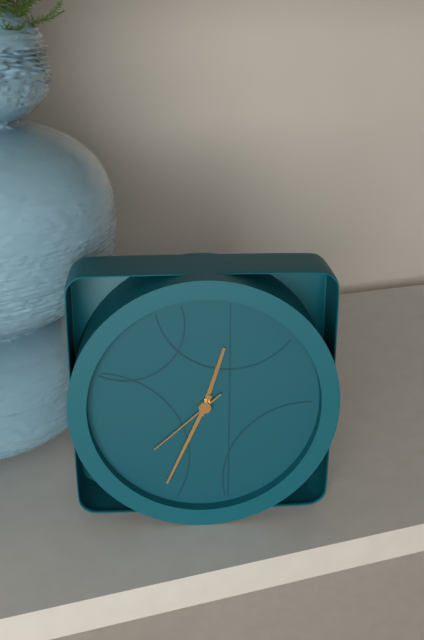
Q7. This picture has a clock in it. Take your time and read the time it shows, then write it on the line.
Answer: 12:34:38
